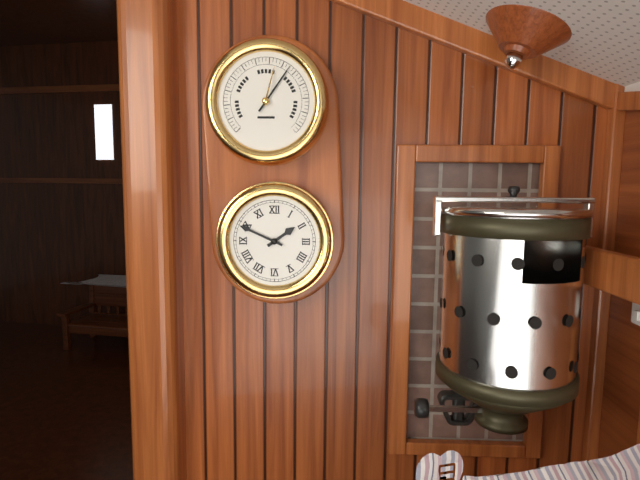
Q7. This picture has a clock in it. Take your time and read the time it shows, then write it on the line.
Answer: 1:49
